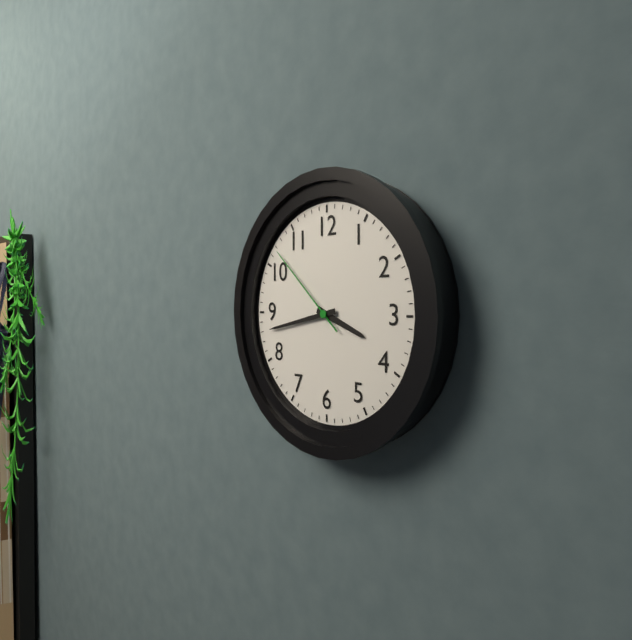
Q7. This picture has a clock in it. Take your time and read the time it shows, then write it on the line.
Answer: 3:43:52
